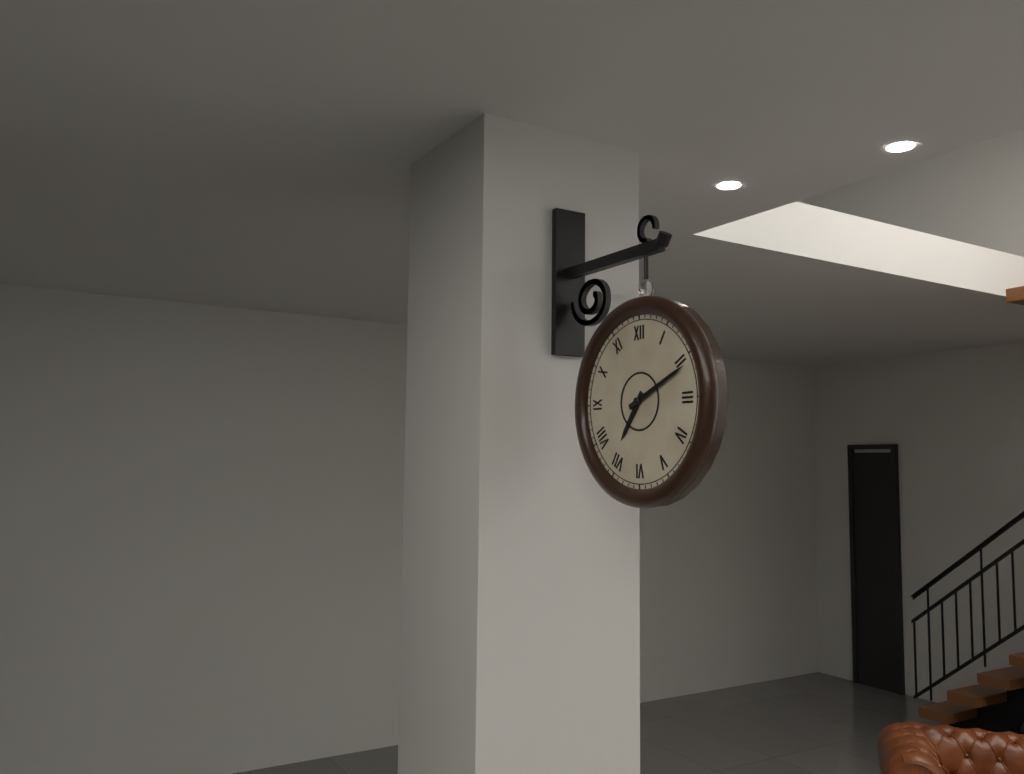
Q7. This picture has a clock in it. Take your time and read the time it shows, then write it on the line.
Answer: 7:11
